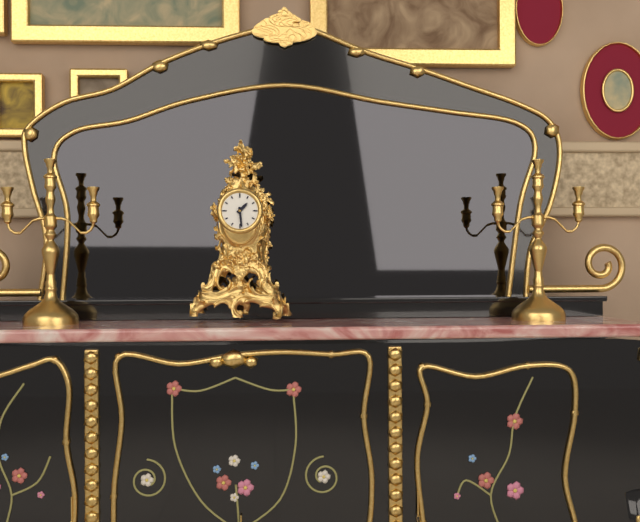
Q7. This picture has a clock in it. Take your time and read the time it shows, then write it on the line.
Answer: 1:29
